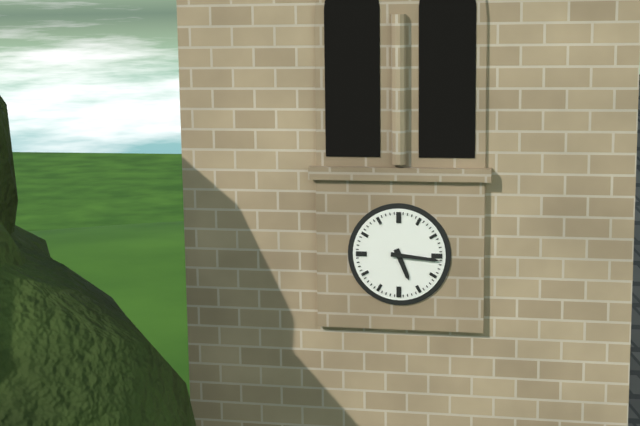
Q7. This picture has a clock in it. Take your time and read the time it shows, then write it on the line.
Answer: 5:16
